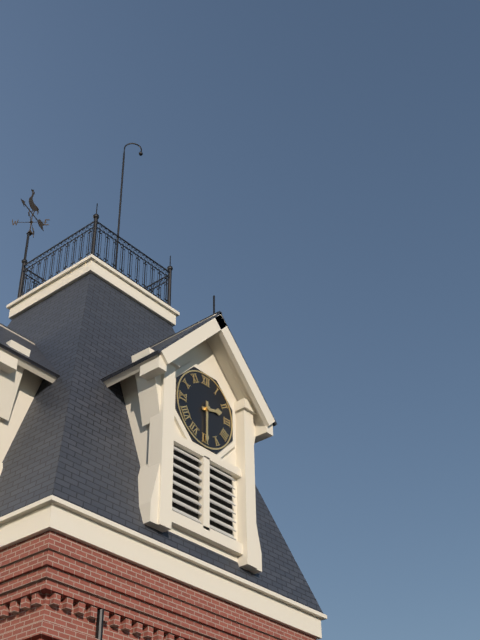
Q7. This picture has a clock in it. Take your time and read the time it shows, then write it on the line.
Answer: 2:30
